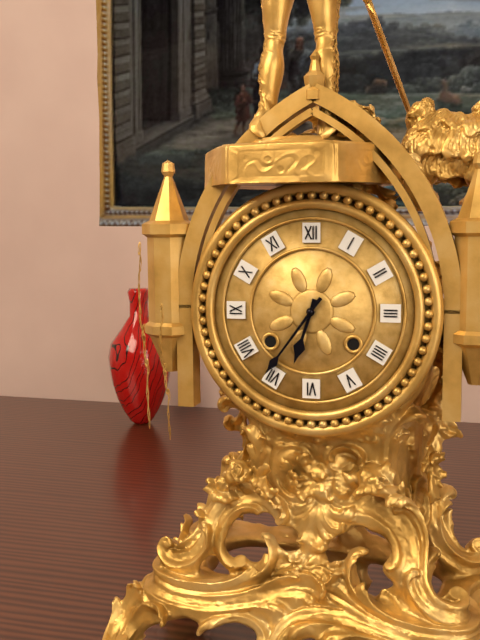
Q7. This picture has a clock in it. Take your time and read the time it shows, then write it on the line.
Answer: 6:36
